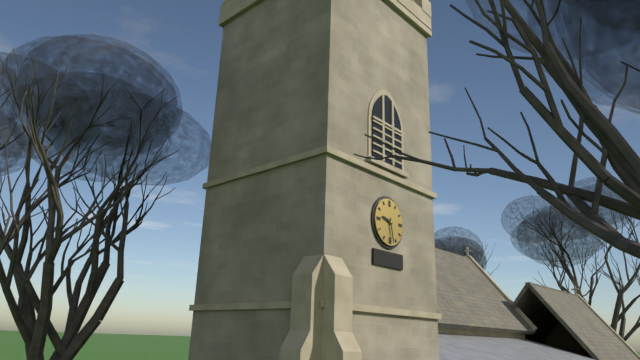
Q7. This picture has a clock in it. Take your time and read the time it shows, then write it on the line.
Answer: 9:28
